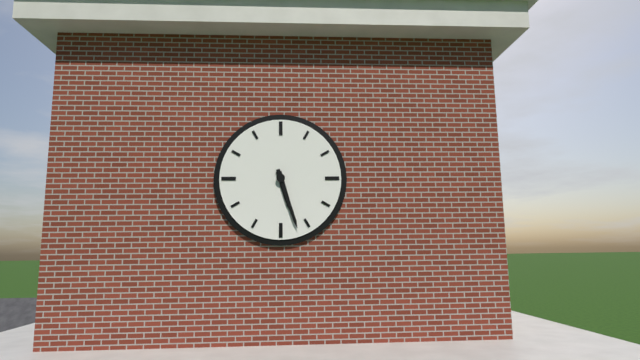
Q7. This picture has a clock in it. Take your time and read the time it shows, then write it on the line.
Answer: 5:27
